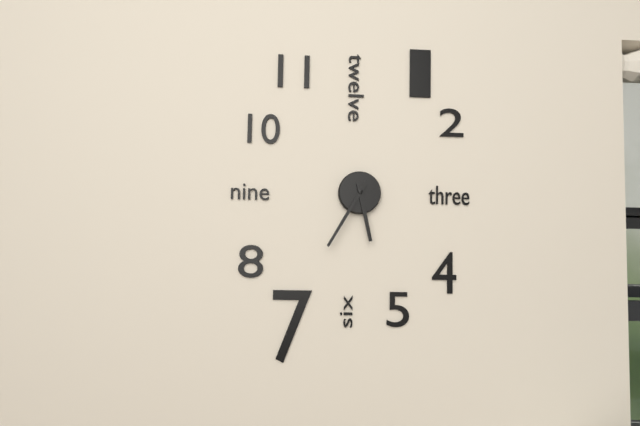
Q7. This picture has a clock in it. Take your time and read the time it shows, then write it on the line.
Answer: 5:35
